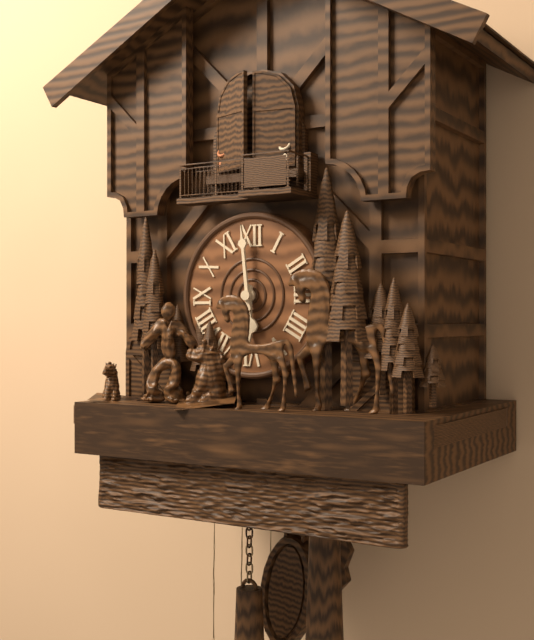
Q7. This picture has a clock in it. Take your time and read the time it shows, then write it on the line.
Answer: 5:59
